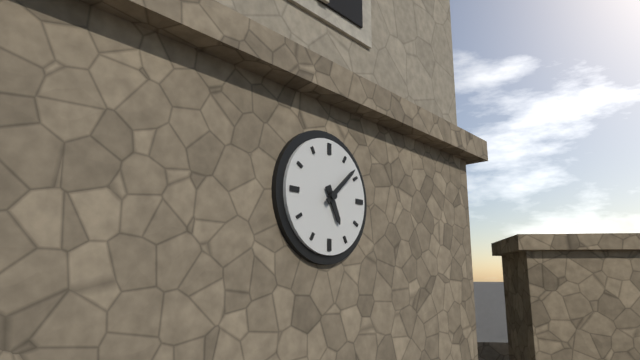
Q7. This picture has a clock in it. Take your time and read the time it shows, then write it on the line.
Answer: 5:08
